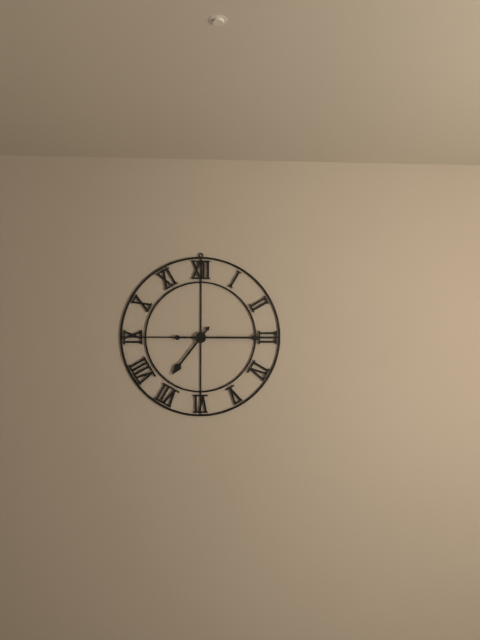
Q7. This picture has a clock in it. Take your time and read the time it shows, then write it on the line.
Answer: 7:15
